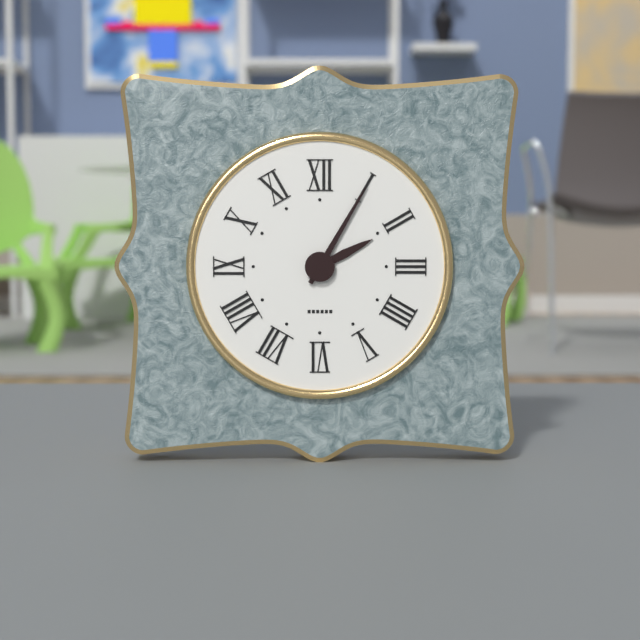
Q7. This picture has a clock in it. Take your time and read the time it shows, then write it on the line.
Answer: 2:05
